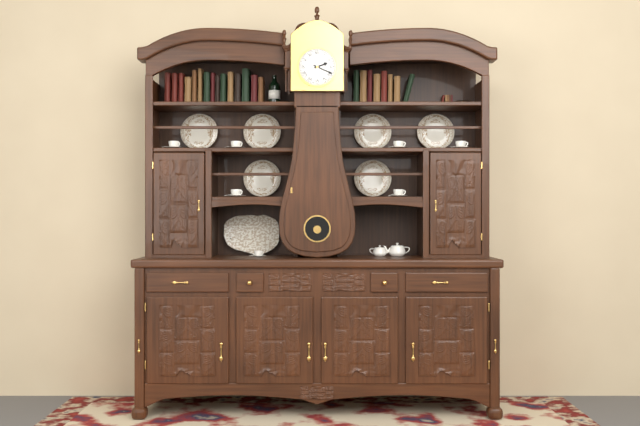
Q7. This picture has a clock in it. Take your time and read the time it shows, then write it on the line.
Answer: 2:19
